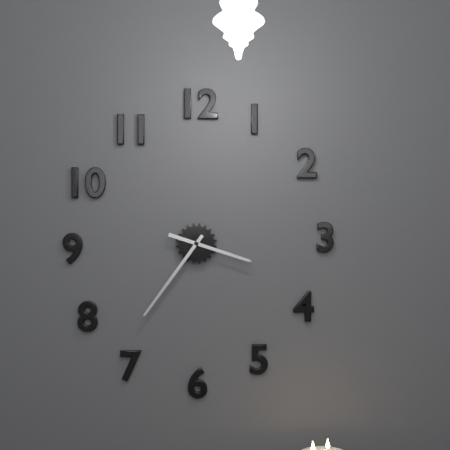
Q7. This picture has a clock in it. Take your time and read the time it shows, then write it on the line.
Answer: 3:36
